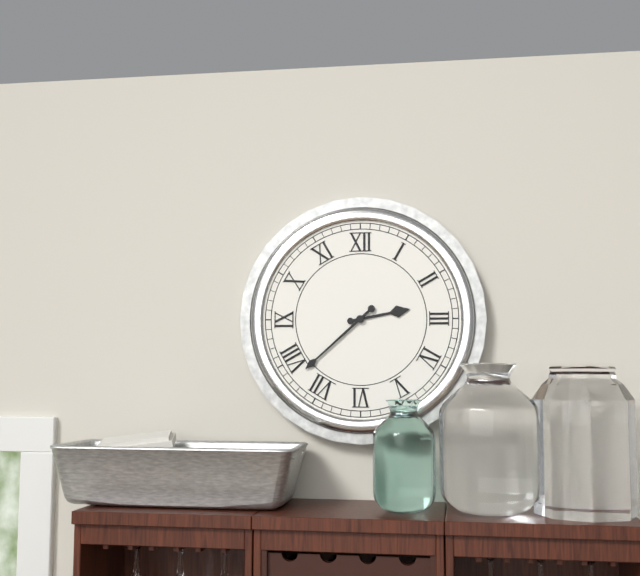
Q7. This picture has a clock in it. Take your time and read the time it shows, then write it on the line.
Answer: 2:38
